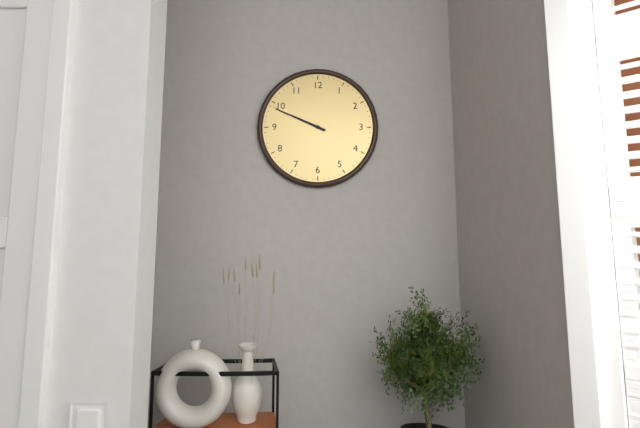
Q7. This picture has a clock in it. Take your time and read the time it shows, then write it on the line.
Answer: 9:49
